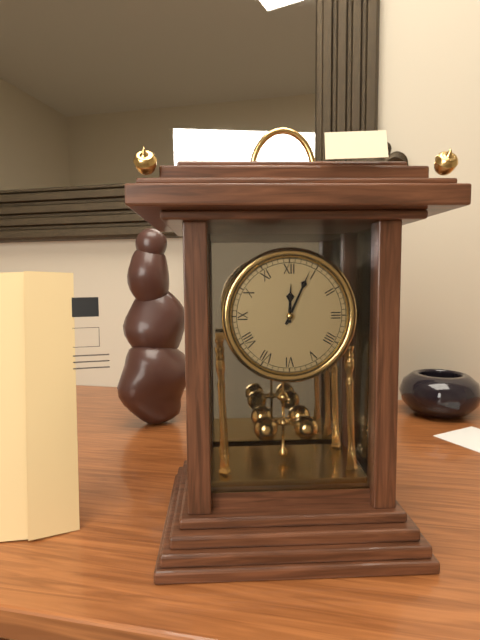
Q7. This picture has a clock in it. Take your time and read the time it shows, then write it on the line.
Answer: 12:04
